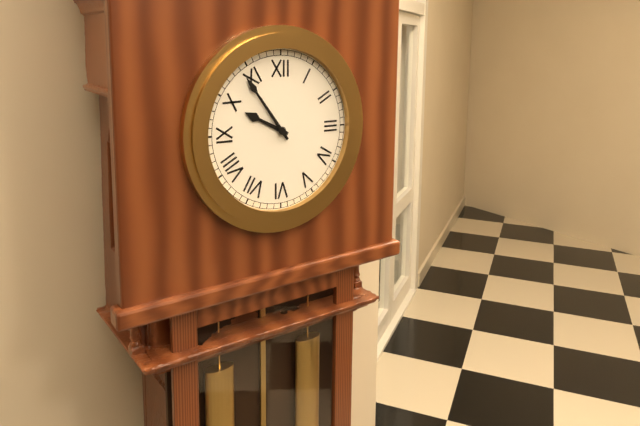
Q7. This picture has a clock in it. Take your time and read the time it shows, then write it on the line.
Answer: 9:54
